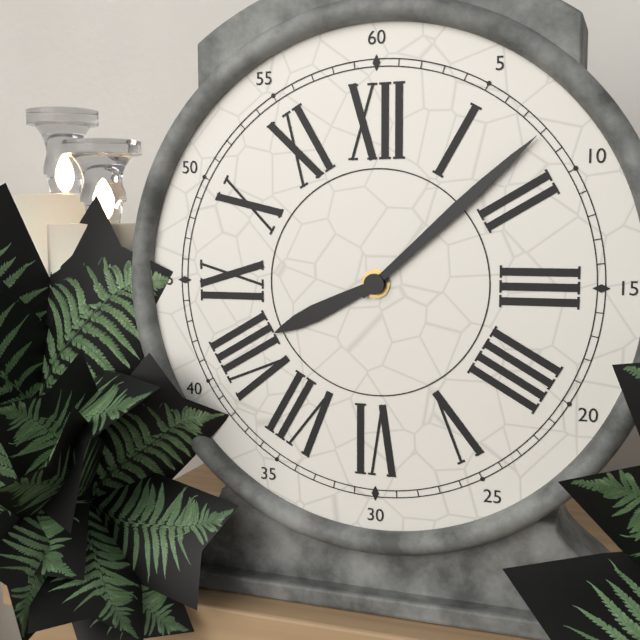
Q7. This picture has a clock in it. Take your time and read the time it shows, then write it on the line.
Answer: 8:08
